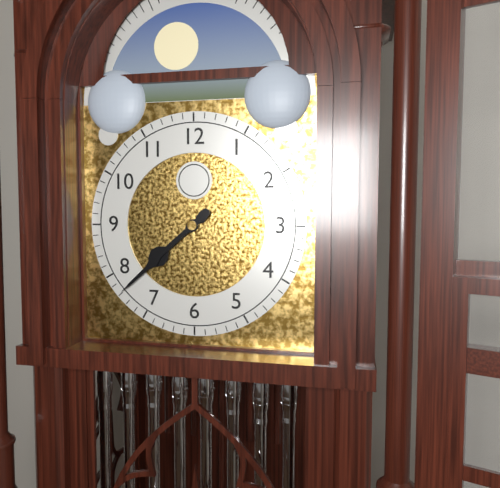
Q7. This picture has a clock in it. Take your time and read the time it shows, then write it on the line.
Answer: 7:38
